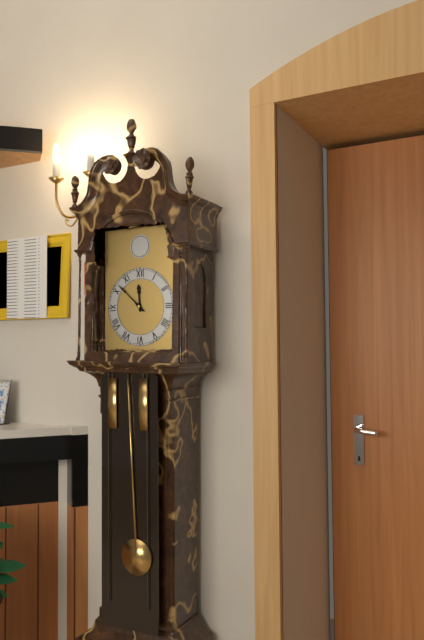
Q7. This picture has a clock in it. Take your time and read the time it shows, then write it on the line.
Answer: 11:52
